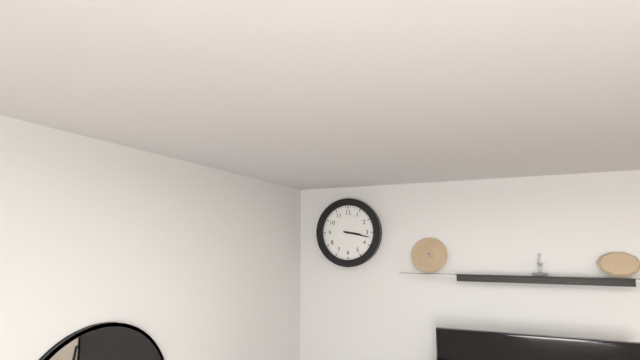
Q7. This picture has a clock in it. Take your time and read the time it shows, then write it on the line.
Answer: 3:17
